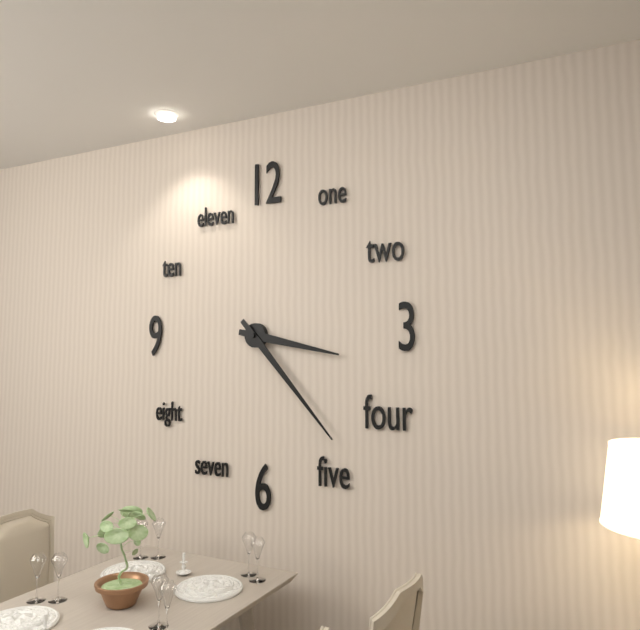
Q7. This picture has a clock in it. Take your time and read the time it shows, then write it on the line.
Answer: 3:23
